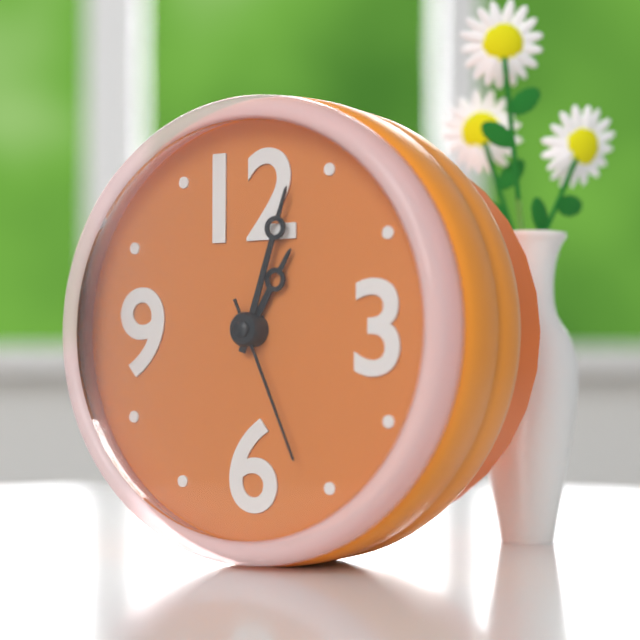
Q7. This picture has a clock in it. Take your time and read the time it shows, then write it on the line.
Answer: 1:03:26
